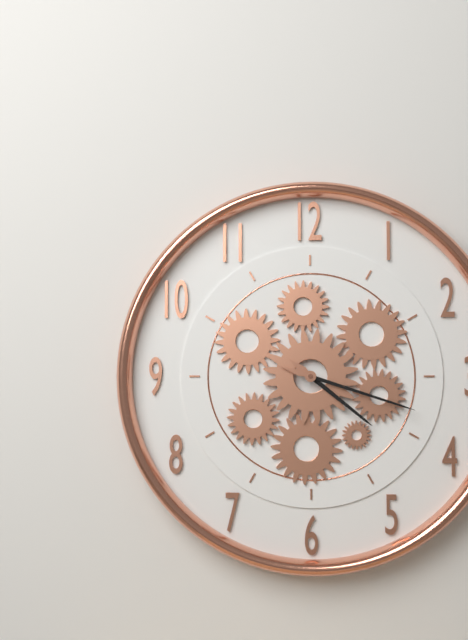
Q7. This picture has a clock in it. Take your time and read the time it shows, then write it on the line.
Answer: 4:18
